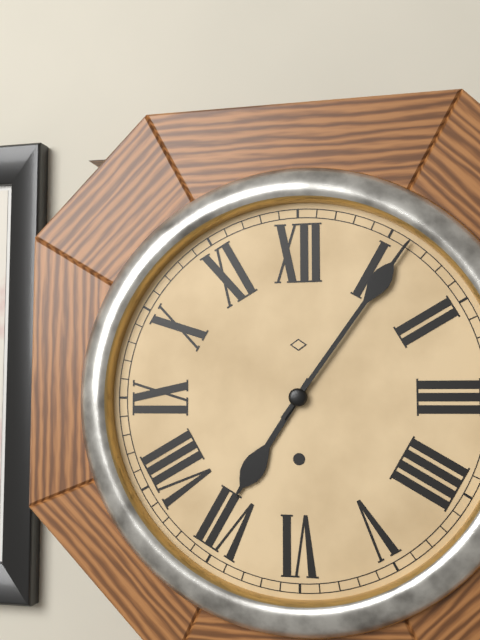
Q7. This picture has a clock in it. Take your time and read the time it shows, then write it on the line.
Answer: 7:06
